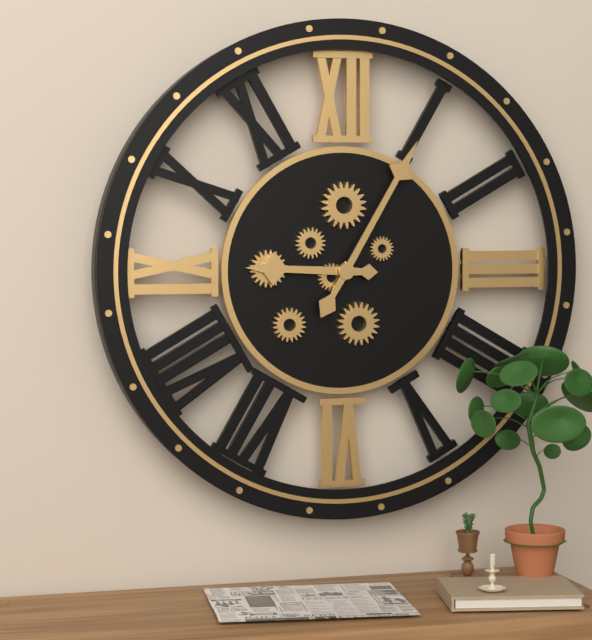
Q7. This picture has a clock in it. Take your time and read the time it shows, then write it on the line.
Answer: 9:05
